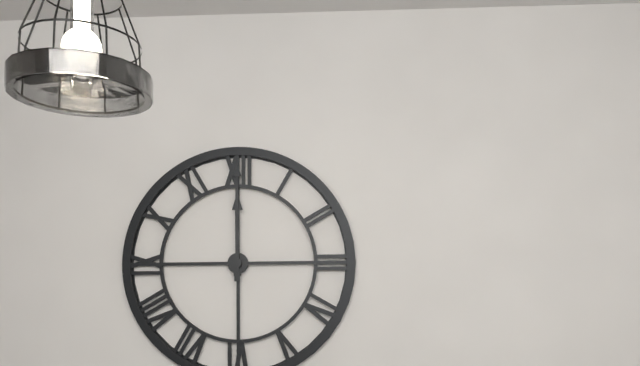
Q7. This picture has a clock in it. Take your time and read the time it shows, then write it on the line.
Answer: 12:00
